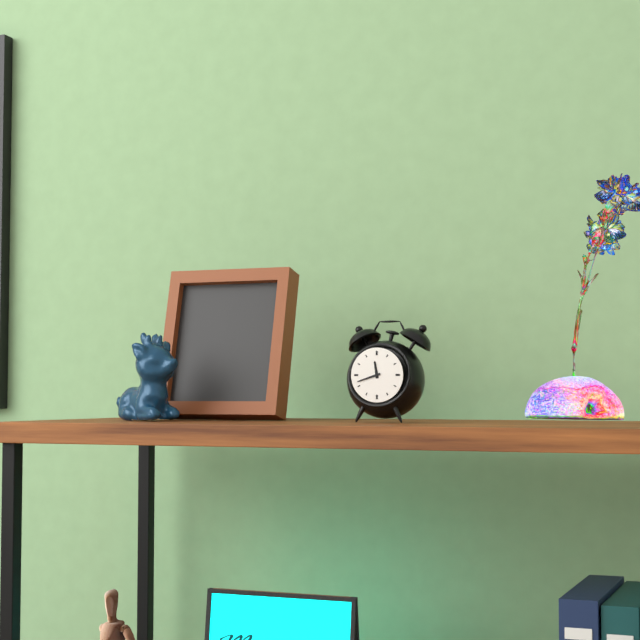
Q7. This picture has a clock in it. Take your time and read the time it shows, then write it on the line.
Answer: 11:42
